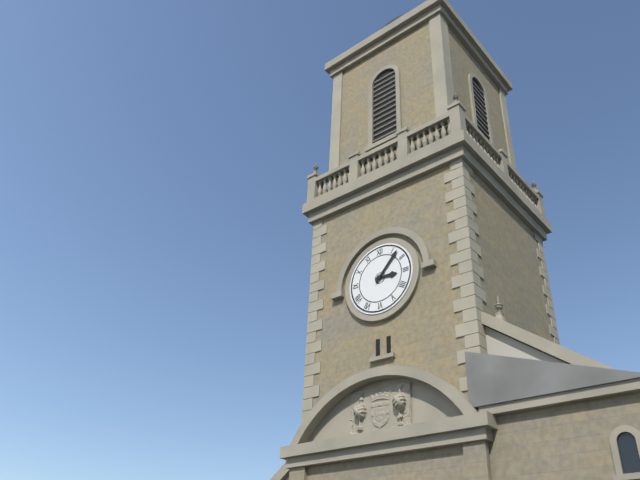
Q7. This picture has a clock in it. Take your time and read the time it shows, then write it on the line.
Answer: 3:07
